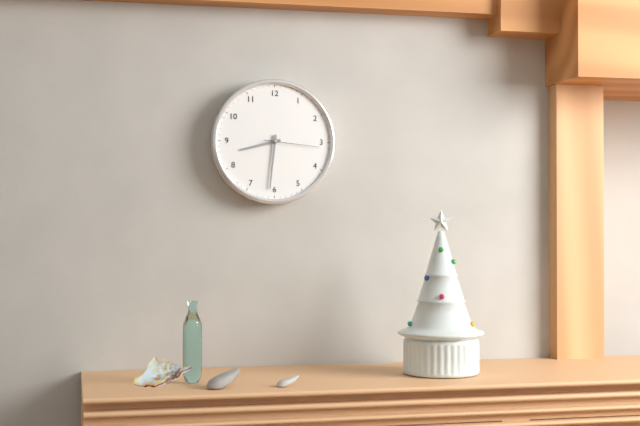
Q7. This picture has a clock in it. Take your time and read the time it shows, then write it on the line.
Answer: 8:31:16
